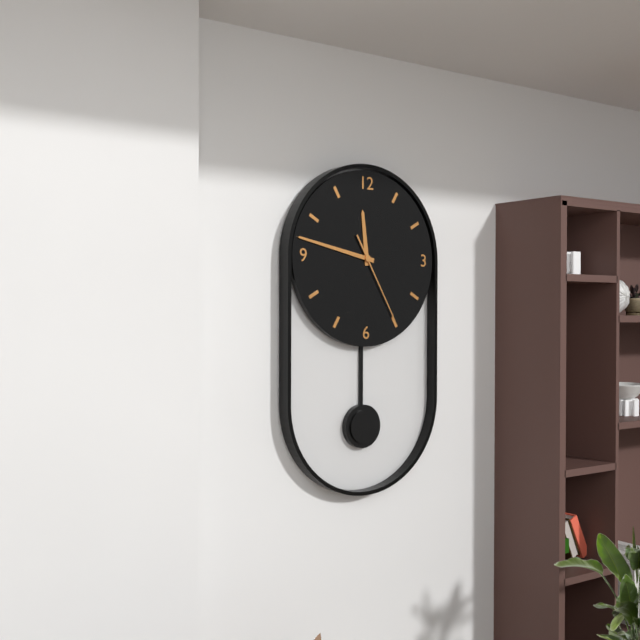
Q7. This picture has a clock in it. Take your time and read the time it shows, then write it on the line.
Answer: 11:47:25
